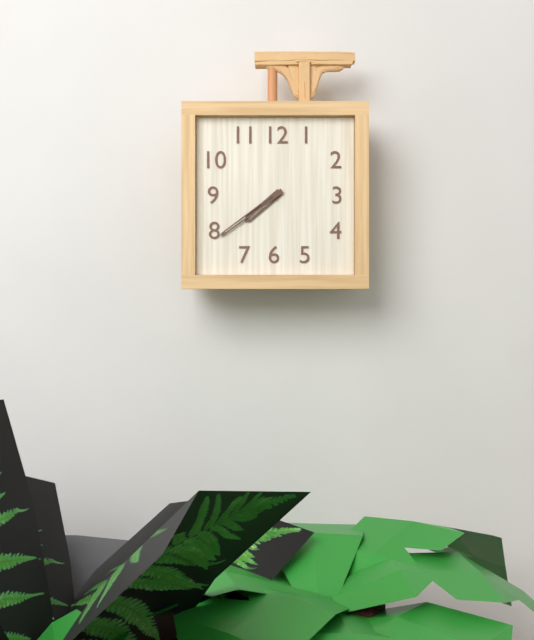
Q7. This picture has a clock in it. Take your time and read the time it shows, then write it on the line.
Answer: 7:39
